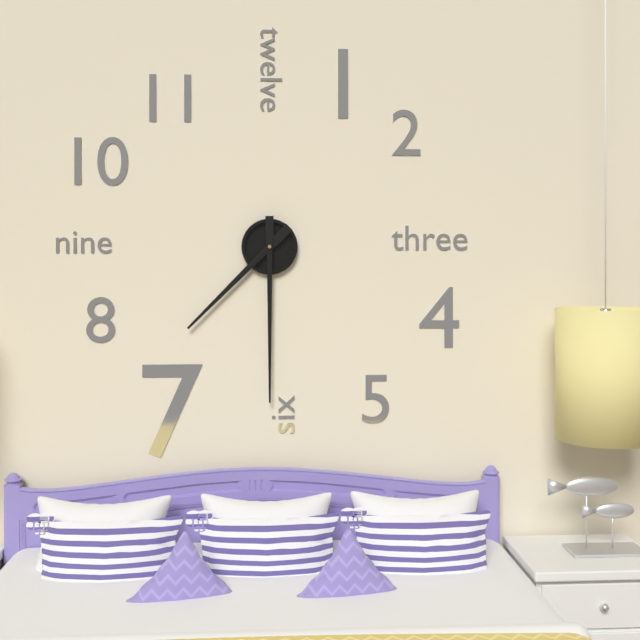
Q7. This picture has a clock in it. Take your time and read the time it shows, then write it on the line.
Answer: 7:30
